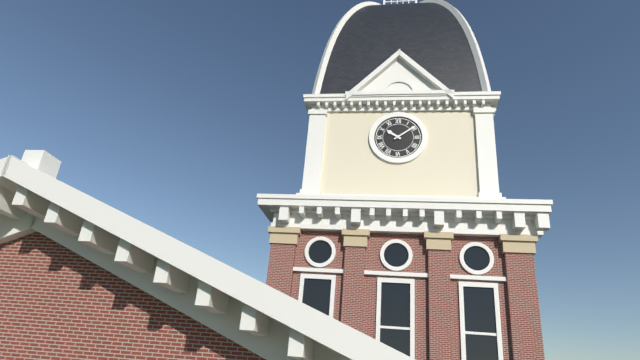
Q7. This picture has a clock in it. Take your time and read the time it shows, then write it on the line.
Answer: 10:09
